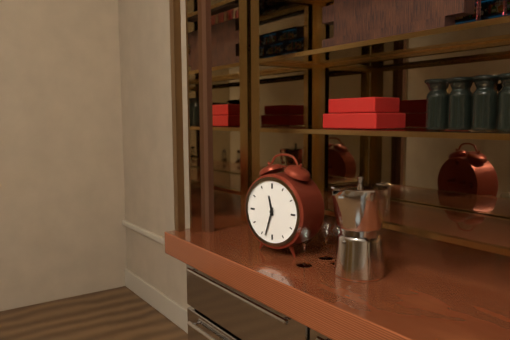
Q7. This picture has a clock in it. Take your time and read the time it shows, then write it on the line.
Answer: 11:33
